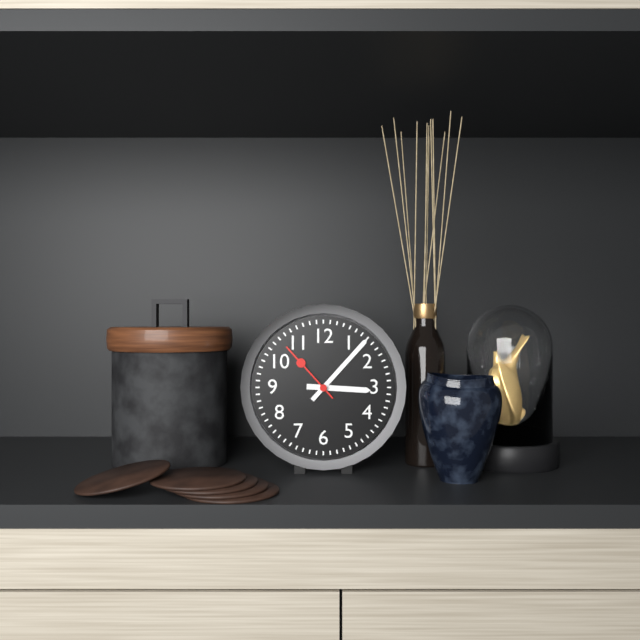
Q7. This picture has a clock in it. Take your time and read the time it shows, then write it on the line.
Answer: 3:07:53
